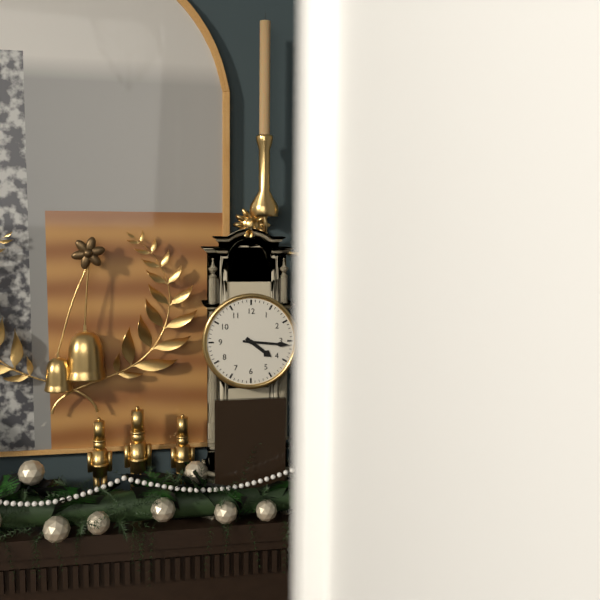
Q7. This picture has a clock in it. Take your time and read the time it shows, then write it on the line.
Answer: 4:16
